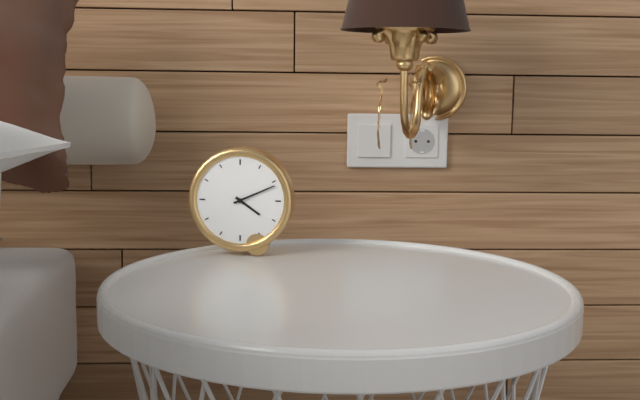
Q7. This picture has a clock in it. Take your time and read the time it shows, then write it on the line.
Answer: 4:11
